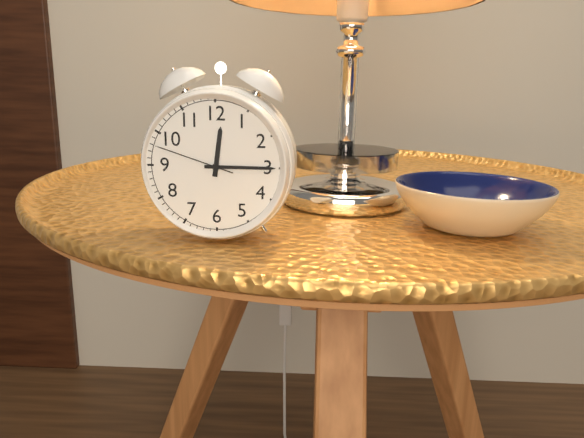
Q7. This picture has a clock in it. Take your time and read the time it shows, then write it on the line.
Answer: 12:15:48
